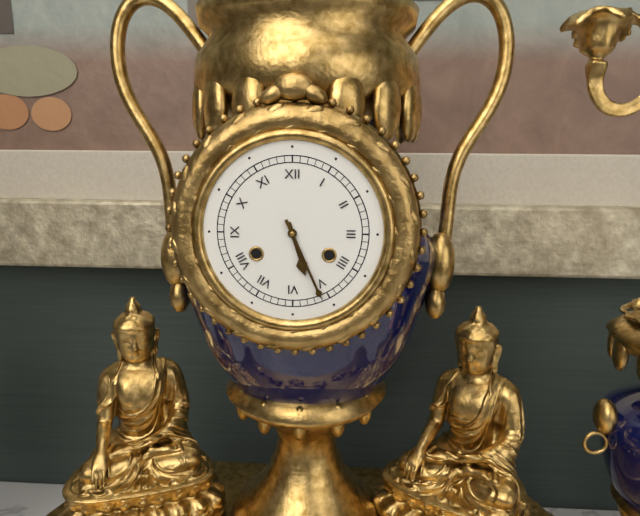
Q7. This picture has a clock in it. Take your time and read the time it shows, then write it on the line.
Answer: 5:26
